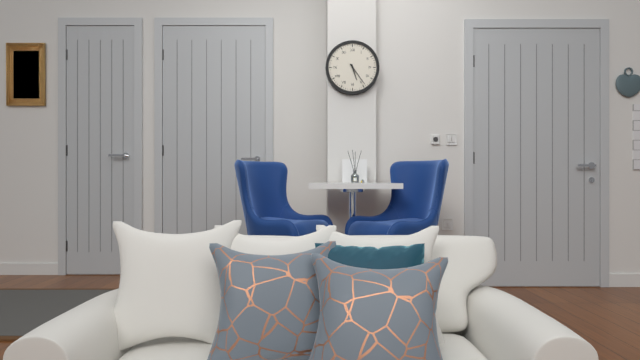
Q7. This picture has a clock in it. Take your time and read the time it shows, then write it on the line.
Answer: 5:24
